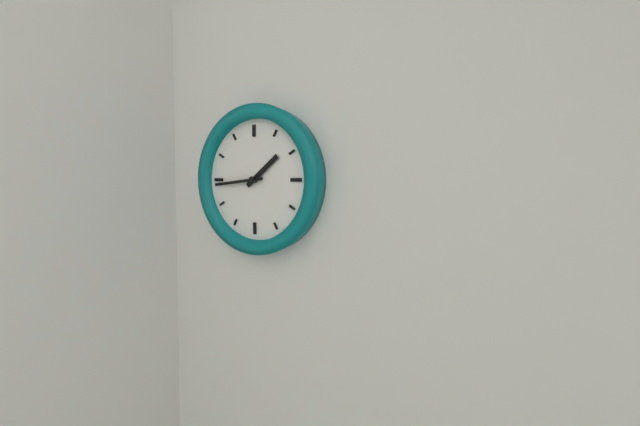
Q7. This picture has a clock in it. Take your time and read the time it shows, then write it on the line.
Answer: 1:44
